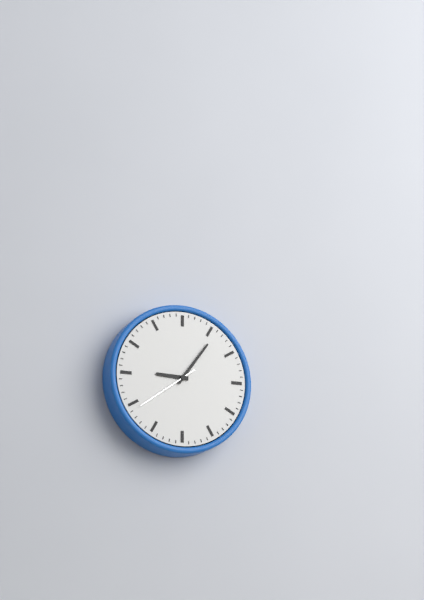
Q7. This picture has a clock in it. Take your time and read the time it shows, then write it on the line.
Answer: 9:06:39
